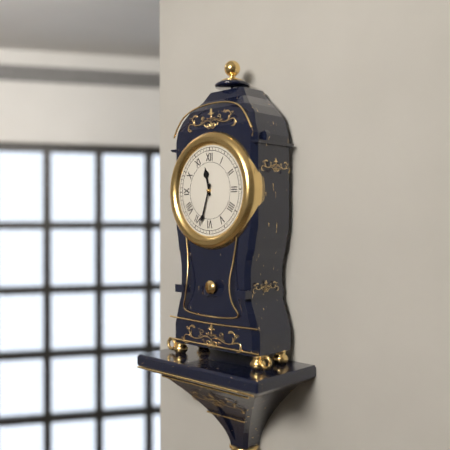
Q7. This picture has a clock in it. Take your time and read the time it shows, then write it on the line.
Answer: 11:33
